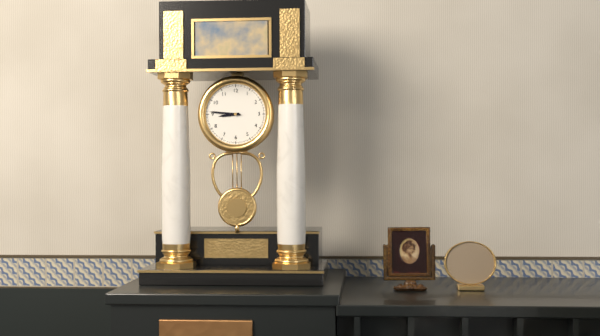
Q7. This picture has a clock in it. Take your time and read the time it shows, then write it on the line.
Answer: 8:46
